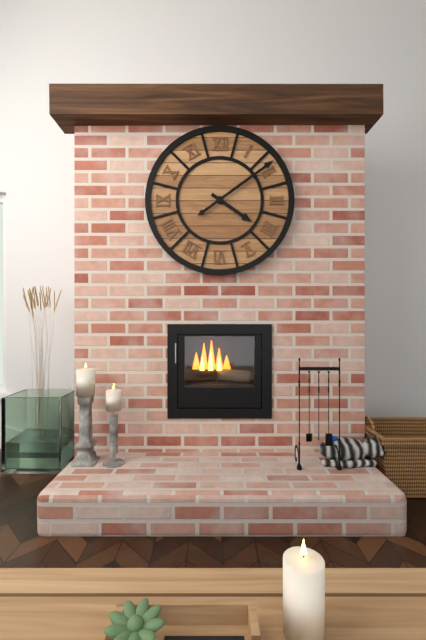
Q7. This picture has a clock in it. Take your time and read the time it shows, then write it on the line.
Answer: 4:09
